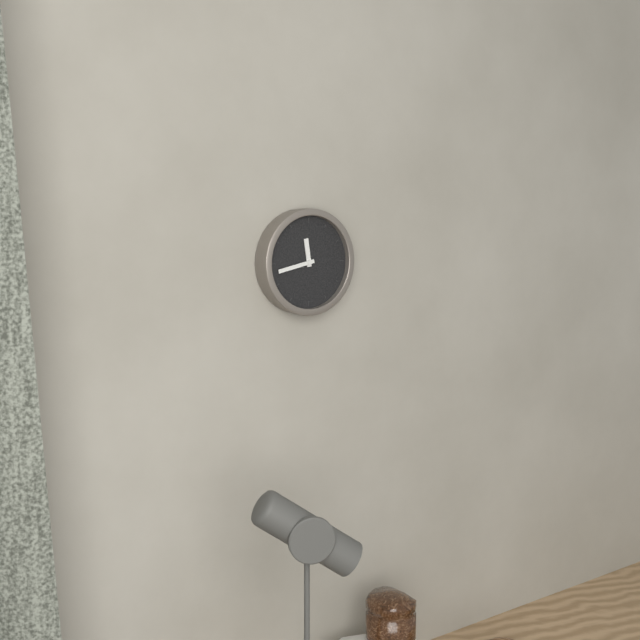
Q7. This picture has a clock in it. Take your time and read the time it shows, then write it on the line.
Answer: 11:43
